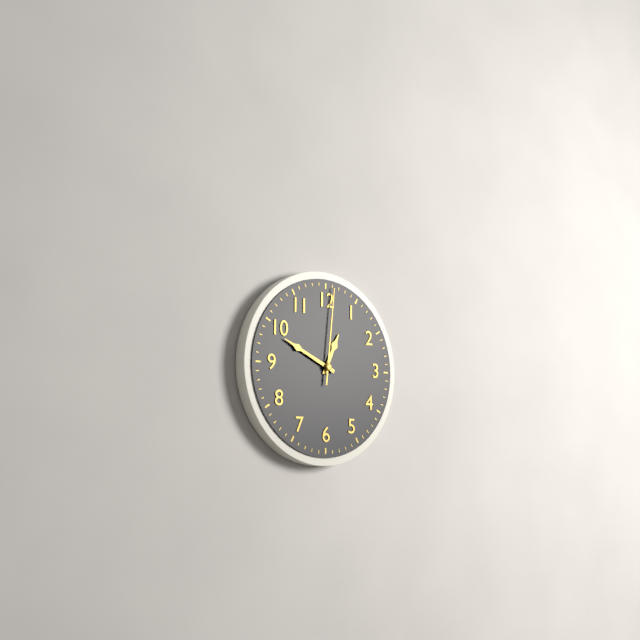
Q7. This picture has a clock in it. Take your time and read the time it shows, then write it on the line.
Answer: 12:49:01
